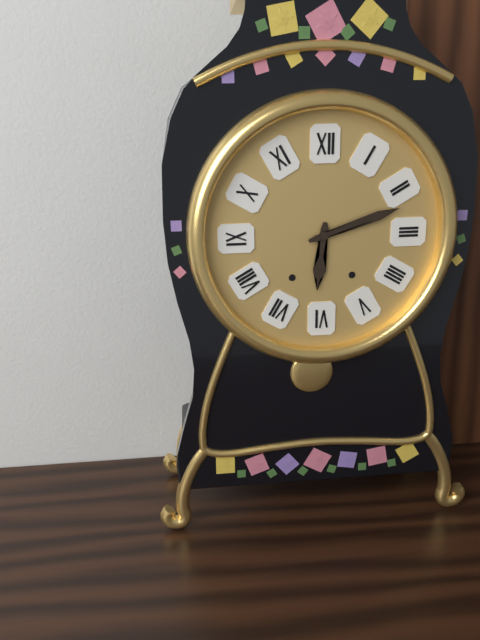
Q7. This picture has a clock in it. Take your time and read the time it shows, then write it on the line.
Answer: 6:12
